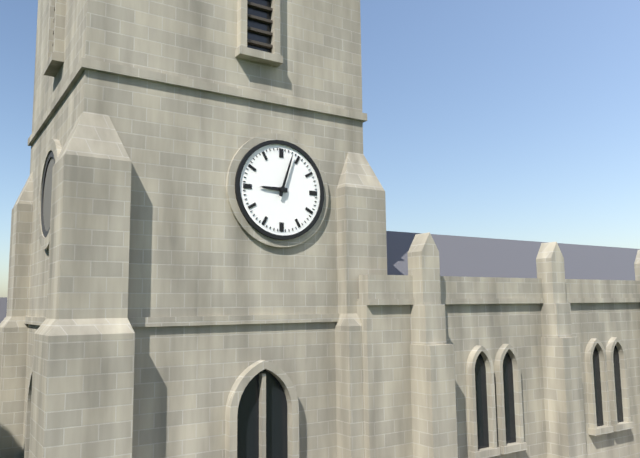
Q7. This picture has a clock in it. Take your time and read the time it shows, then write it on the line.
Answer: 9:03
